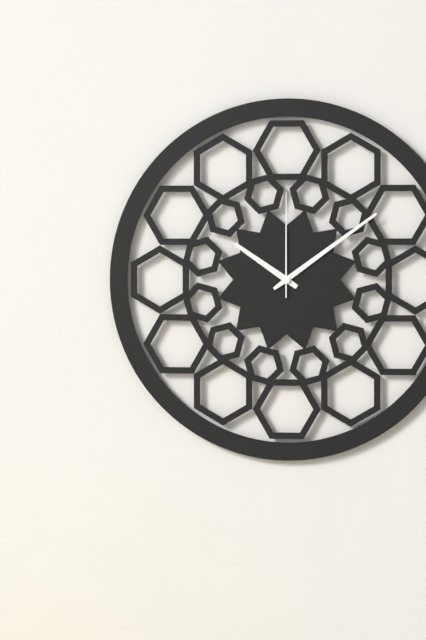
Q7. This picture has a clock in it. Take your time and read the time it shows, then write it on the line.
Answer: 10:09:00
